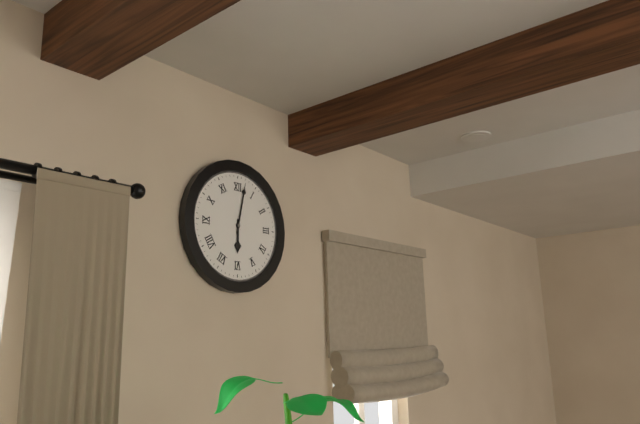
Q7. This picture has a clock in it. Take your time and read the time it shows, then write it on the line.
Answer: 6:02
